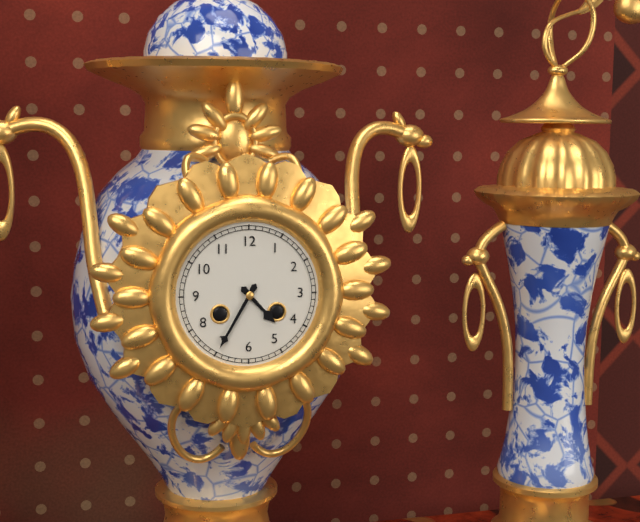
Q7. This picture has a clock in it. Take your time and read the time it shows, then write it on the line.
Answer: 4:35
